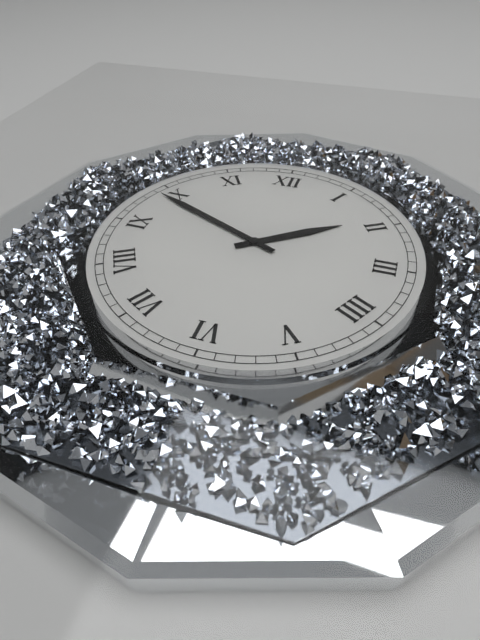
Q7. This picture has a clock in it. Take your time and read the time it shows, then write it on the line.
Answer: 1:49
